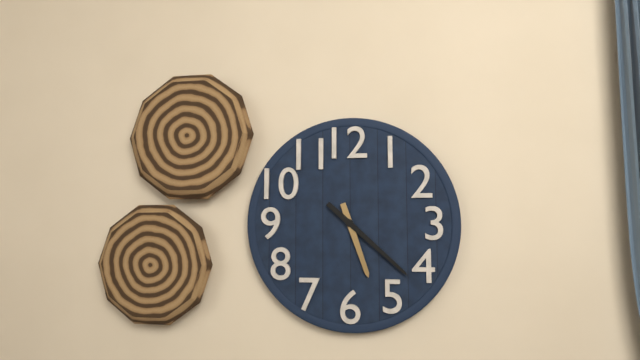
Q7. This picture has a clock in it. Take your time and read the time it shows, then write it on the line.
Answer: 5:22
